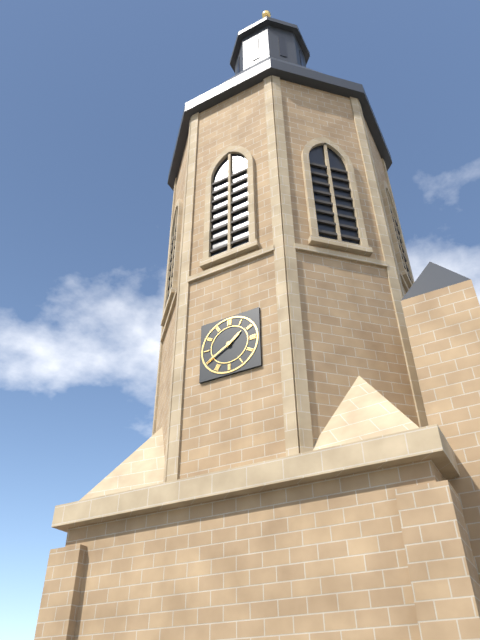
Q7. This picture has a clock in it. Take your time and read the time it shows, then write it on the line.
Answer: 1:40
